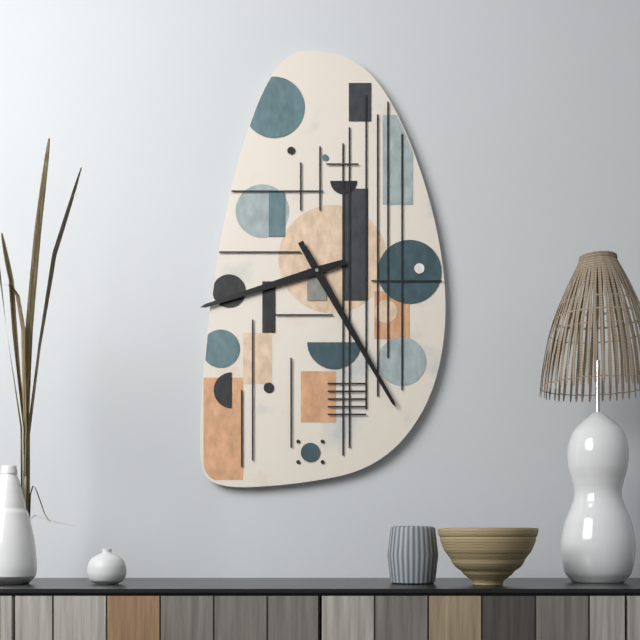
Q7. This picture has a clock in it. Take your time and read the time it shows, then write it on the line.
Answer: 8:25
